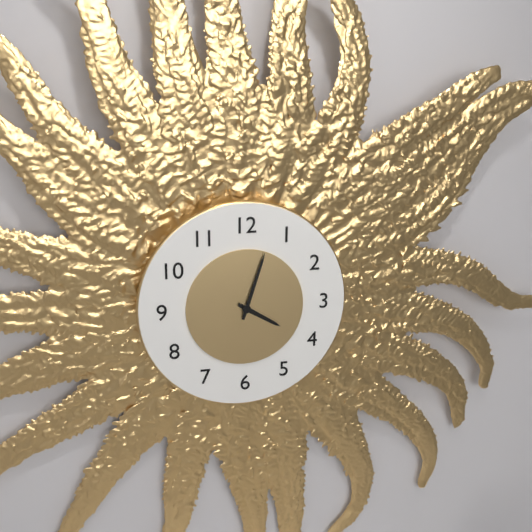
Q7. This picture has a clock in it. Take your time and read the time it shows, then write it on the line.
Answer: 4:03
